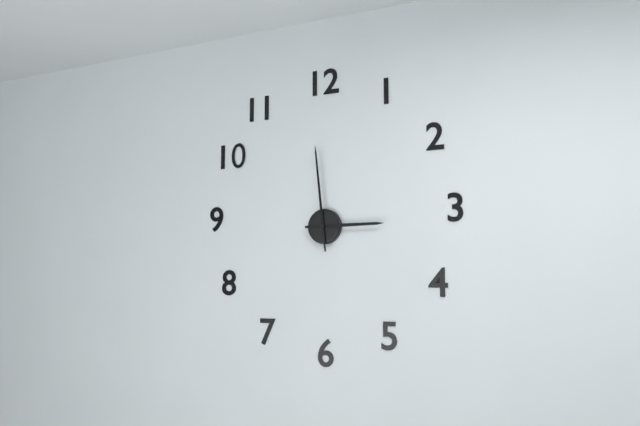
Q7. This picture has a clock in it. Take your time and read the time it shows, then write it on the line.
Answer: 2:59
